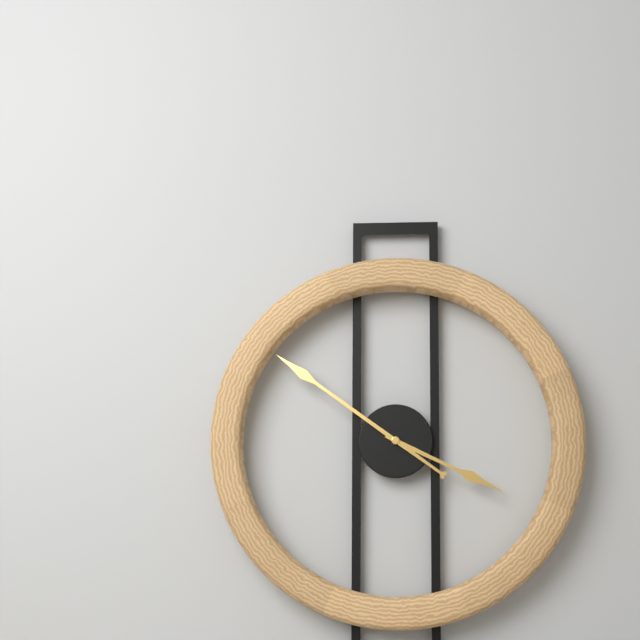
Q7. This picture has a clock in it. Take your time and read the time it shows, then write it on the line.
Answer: 3:51
